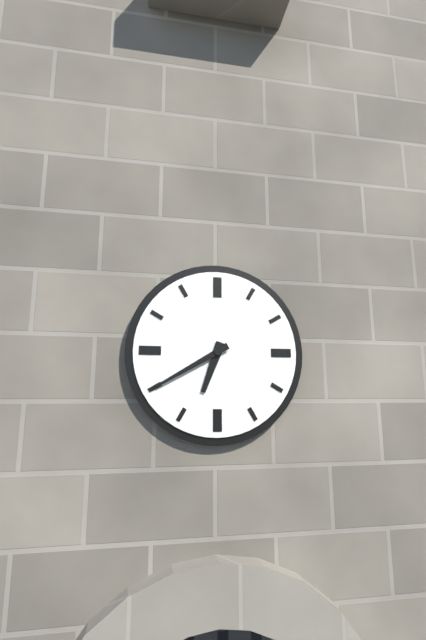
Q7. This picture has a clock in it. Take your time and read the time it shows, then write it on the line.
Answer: 6:40
